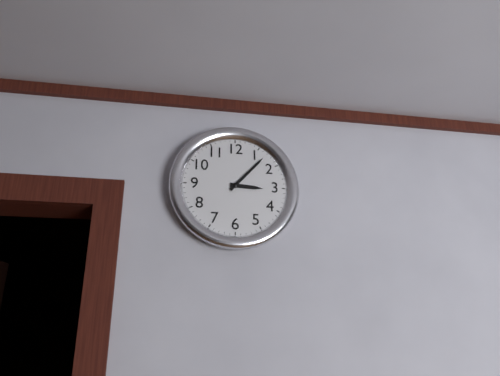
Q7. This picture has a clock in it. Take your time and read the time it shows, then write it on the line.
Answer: 3:07
